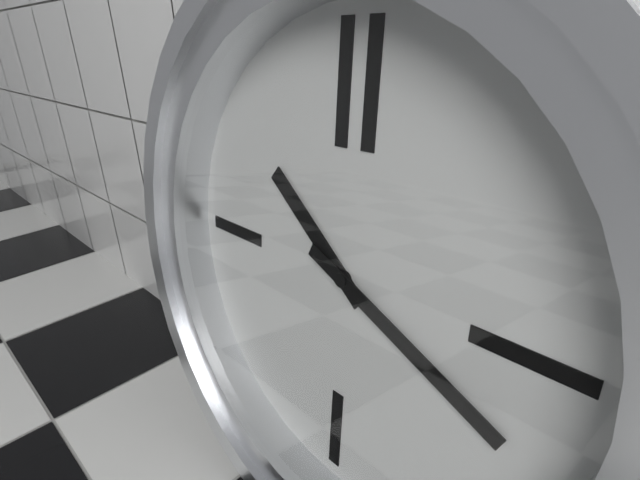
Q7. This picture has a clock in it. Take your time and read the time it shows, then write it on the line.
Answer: 10:19
